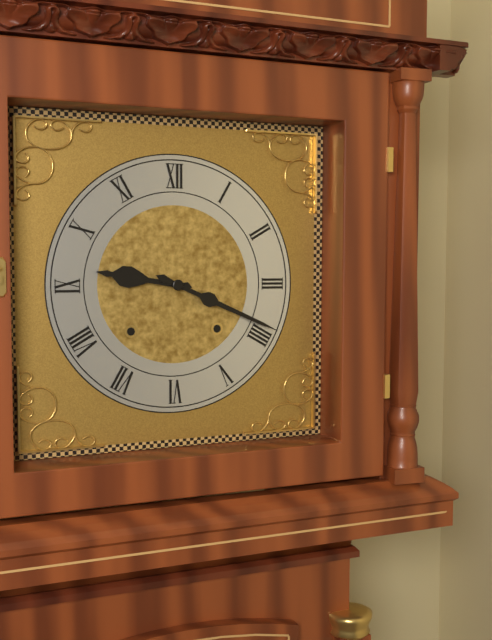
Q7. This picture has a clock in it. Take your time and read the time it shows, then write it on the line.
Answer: 9:19
